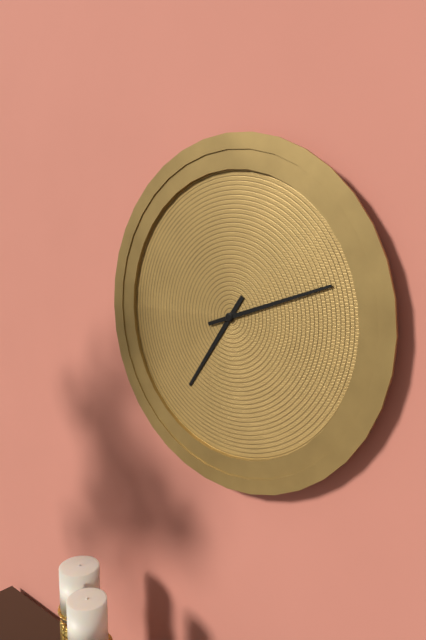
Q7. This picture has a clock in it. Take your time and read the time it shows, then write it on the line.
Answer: 7:12
